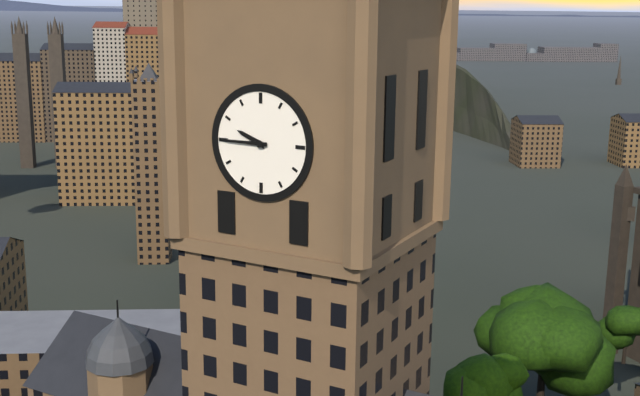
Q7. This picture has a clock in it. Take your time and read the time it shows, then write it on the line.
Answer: 9:45
